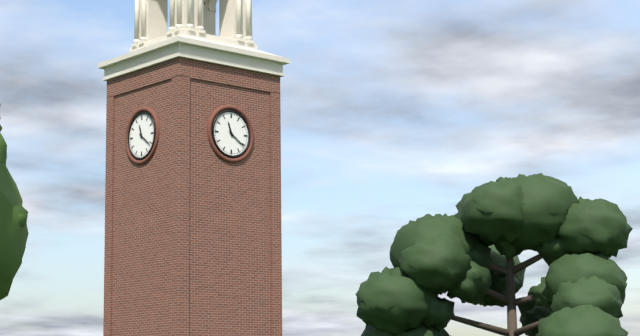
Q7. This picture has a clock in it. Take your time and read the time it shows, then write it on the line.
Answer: 11:21
